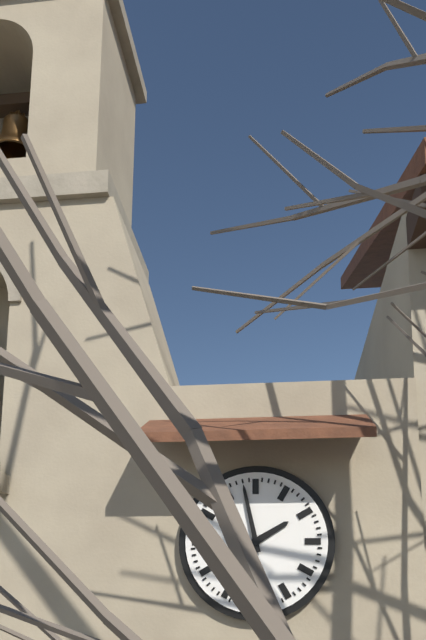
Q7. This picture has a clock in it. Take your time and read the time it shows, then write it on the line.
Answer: 1:58
